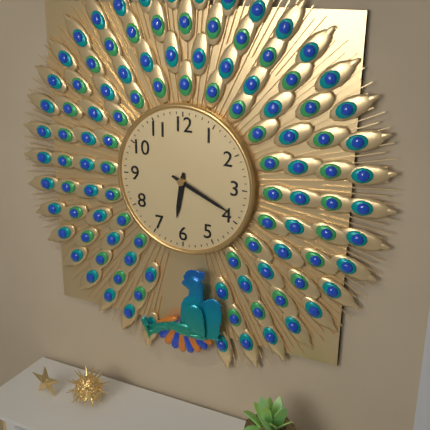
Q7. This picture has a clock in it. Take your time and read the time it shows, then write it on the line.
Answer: 6:19
